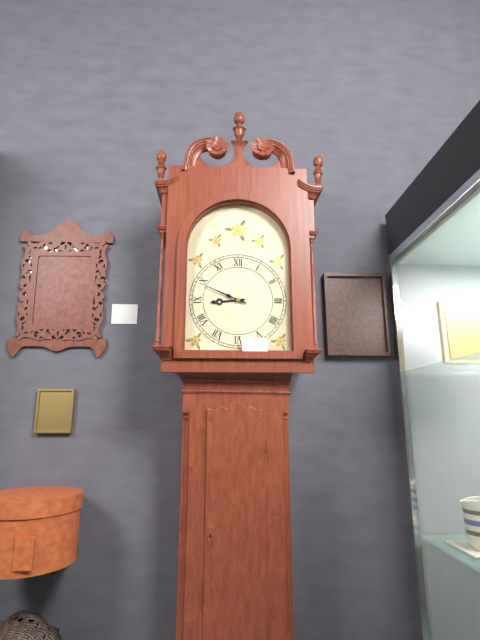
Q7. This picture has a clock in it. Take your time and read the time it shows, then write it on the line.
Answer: 8:49
